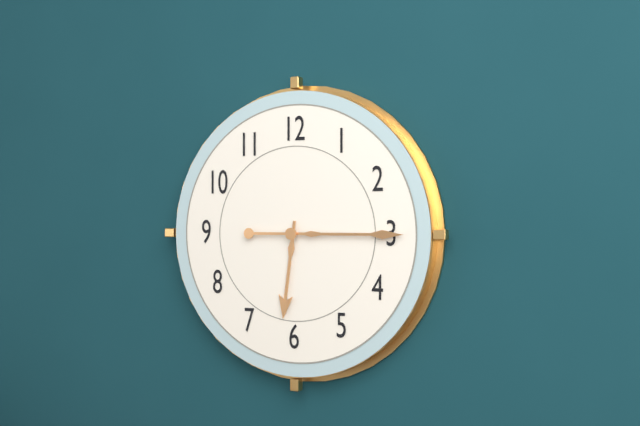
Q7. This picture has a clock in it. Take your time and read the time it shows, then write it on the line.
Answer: 6:15
